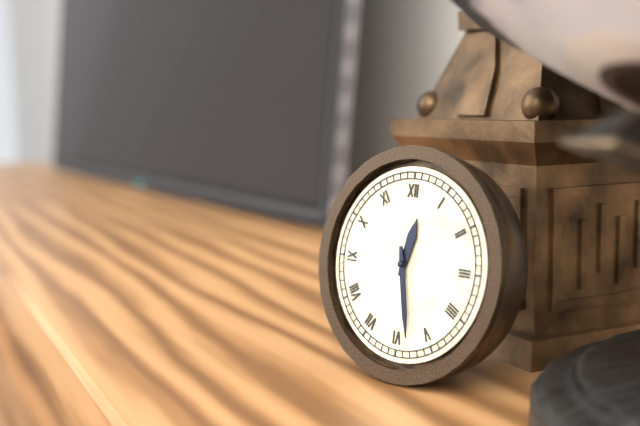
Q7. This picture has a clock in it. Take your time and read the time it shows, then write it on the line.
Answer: 12:28
